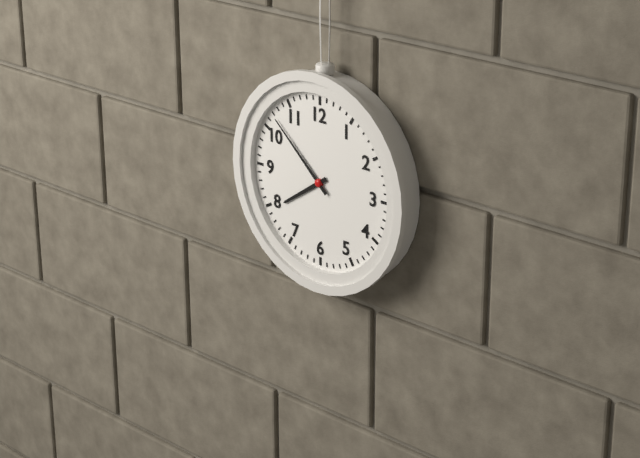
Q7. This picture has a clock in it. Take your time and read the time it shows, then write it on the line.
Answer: 7:52
